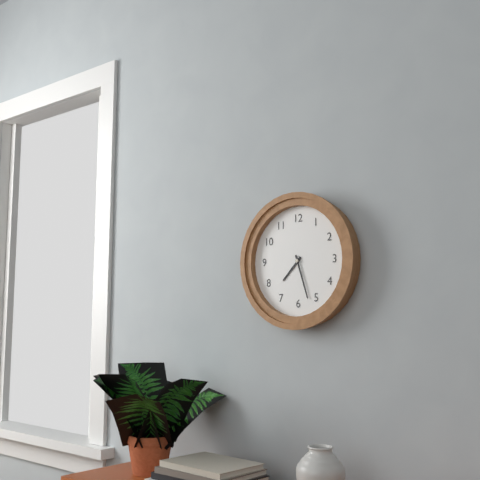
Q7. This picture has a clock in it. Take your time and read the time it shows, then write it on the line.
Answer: 7:27
